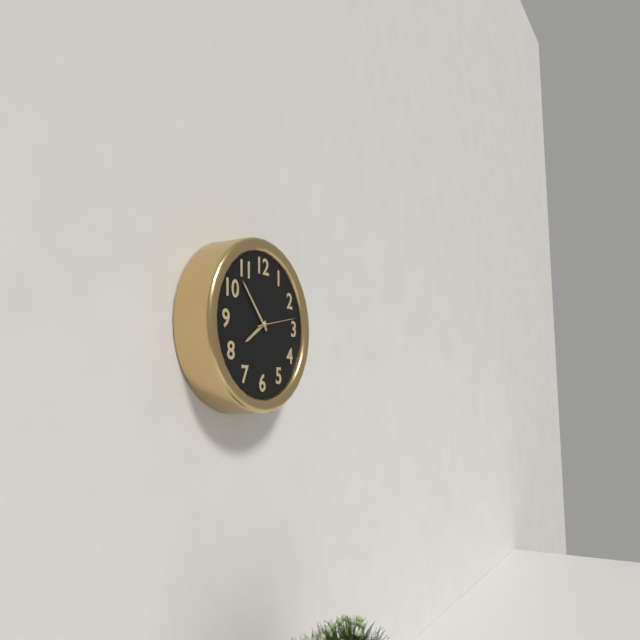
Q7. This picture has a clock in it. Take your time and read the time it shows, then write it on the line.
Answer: 7:53
